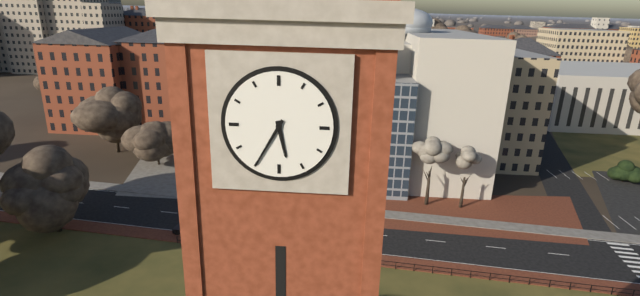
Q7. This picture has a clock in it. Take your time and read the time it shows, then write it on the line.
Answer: 5:35
